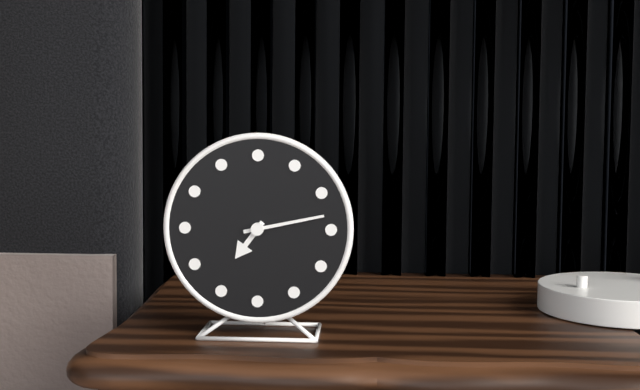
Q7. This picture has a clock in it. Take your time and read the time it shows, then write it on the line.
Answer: 7:13
